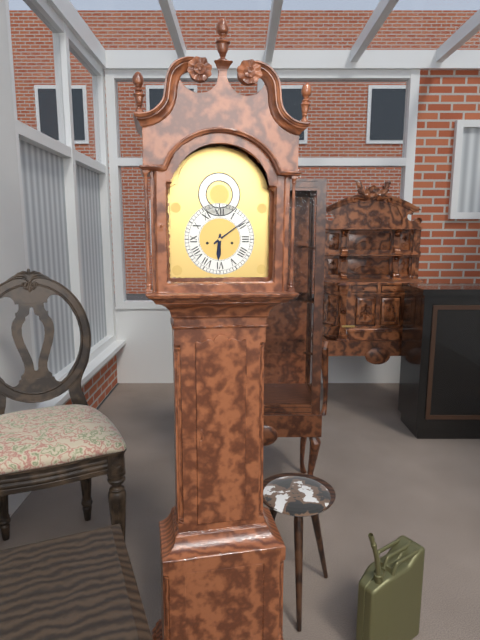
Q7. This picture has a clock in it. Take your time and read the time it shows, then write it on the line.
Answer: 6:09
